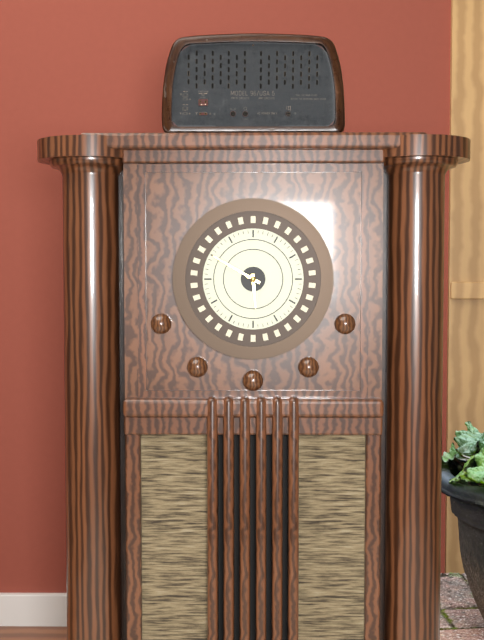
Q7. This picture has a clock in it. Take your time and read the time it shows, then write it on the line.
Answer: 5:50
